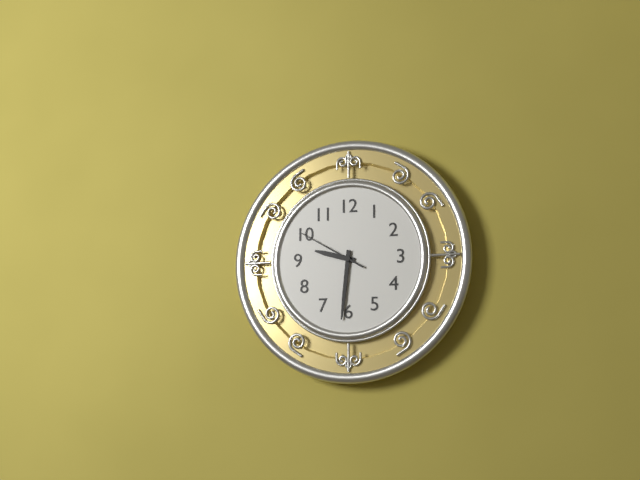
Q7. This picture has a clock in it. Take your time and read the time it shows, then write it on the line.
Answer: 9:31:50
